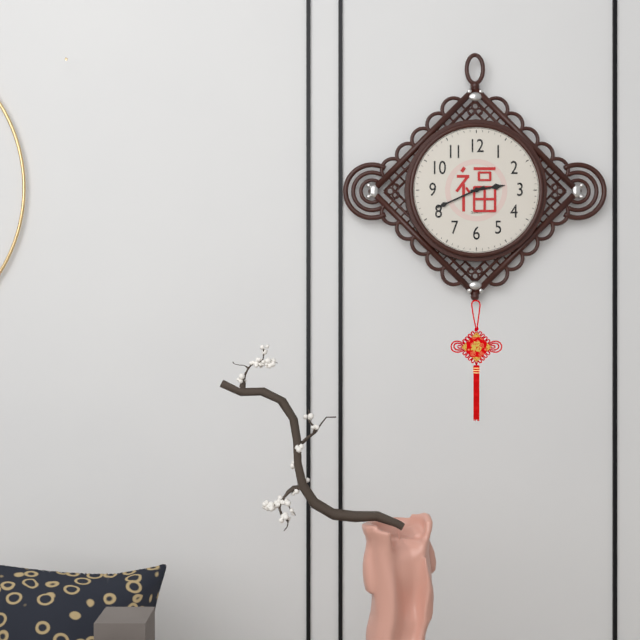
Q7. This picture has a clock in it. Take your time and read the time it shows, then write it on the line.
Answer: 2:41
